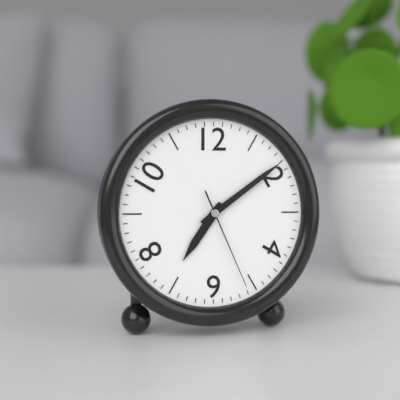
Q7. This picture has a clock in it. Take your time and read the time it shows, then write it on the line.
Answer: 7:09:26
